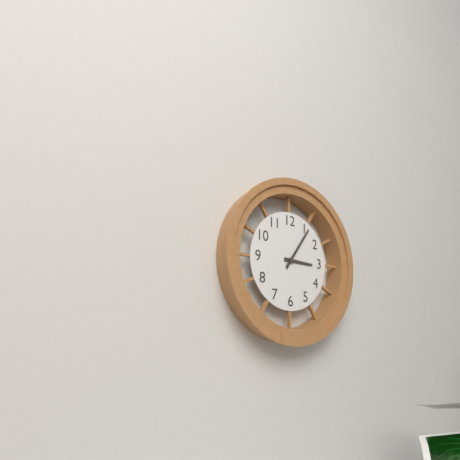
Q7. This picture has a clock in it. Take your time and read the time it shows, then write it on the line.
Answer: 3:06
